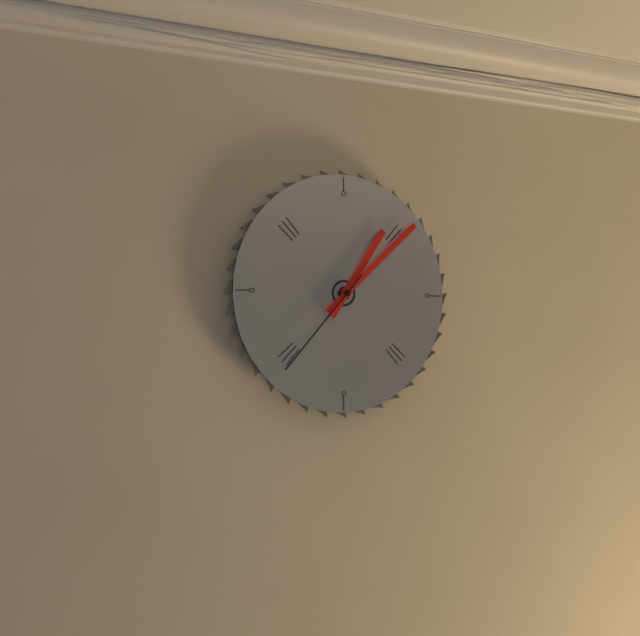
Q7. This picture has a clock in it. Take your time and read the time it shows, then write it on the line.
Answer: 1:08:37
